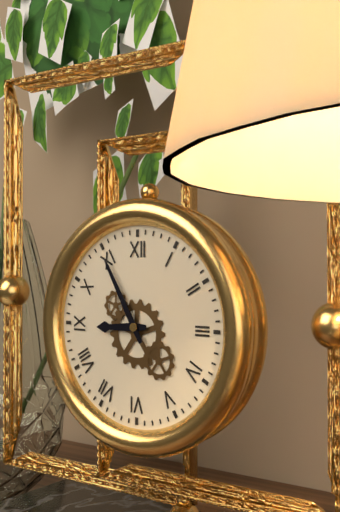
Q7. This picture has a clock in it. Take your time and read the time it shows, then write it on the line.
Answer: 8:55
